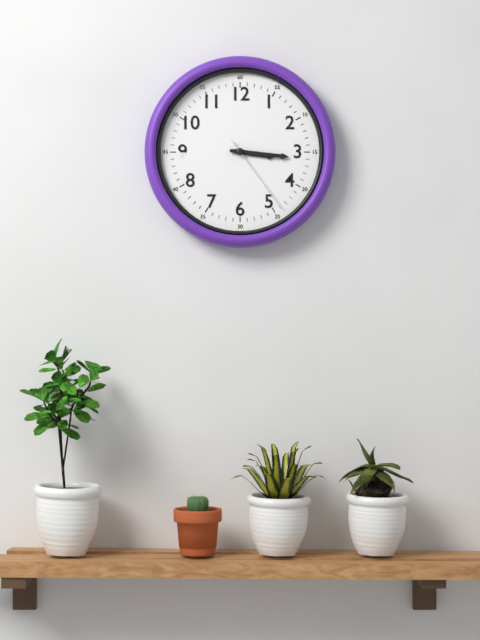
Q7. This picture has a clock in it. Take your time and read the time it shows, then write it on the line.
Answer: 3:16:24
